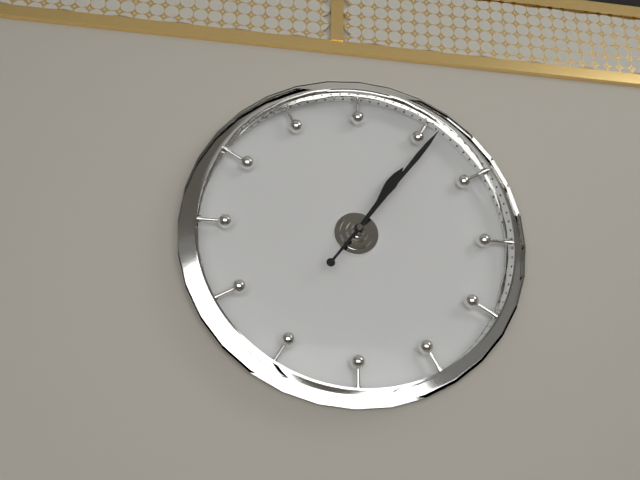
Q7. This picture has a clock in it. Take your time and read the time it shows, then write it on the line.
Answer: 1:06
